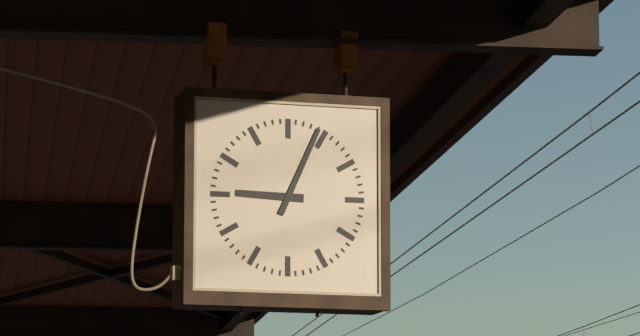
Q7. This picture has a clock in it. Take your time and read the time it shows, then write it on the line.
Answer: 9:04
